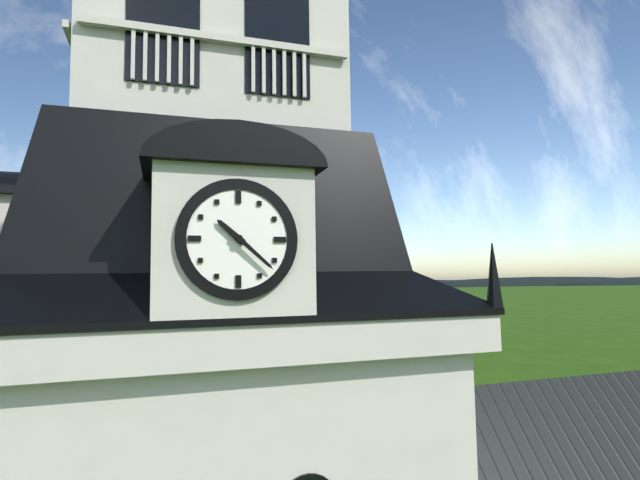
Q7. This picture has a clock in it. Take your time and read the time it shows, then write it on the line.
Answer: 10:22
